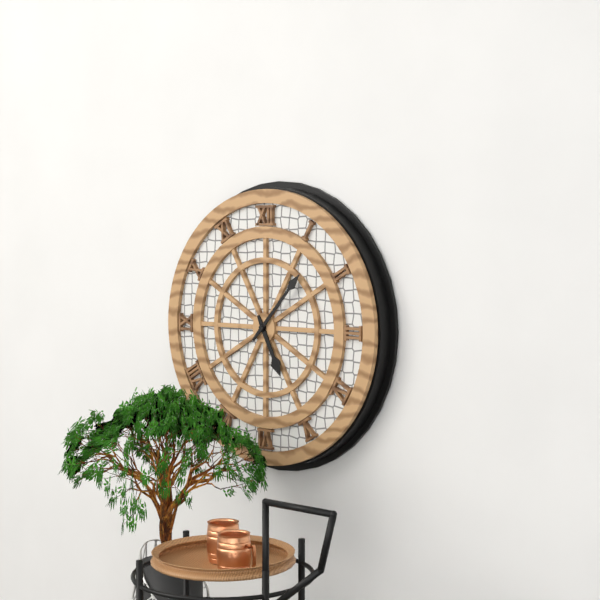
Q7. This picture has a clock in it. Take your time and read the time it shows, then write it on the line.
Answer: 5:07
